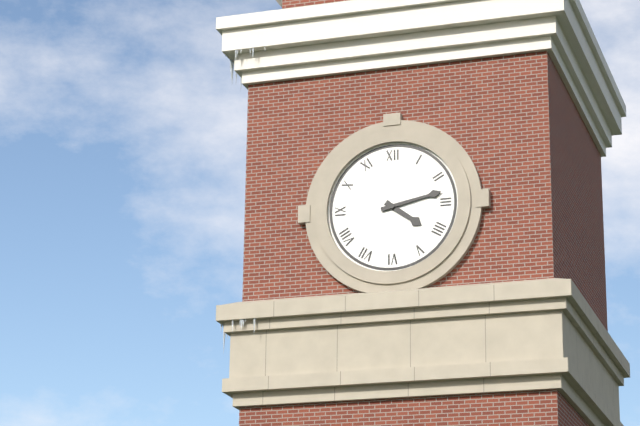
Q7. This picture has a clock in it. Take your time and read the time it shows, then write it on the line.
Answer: 4:13
